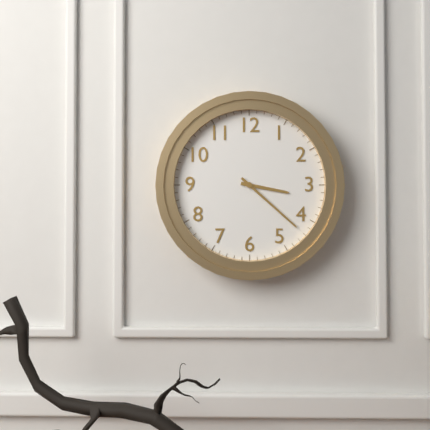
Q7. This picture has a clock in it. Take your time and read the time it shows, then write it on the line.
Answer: 3:22
